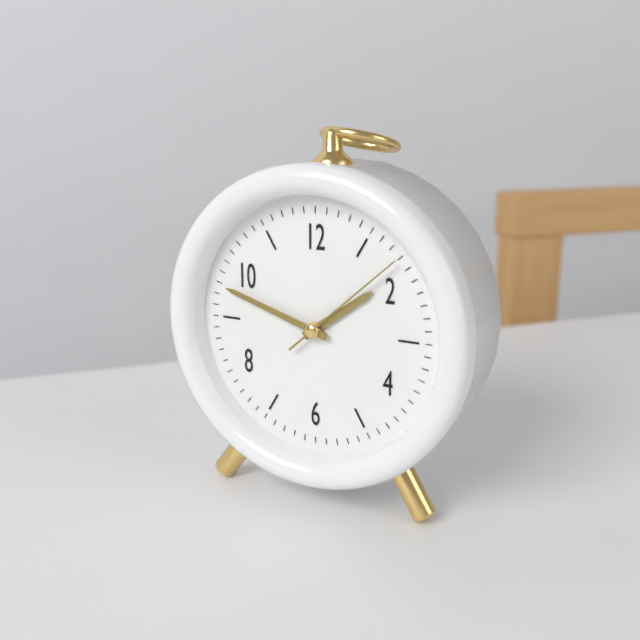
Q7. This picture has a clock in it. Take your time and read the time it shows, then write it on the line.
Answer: 1:48:08
